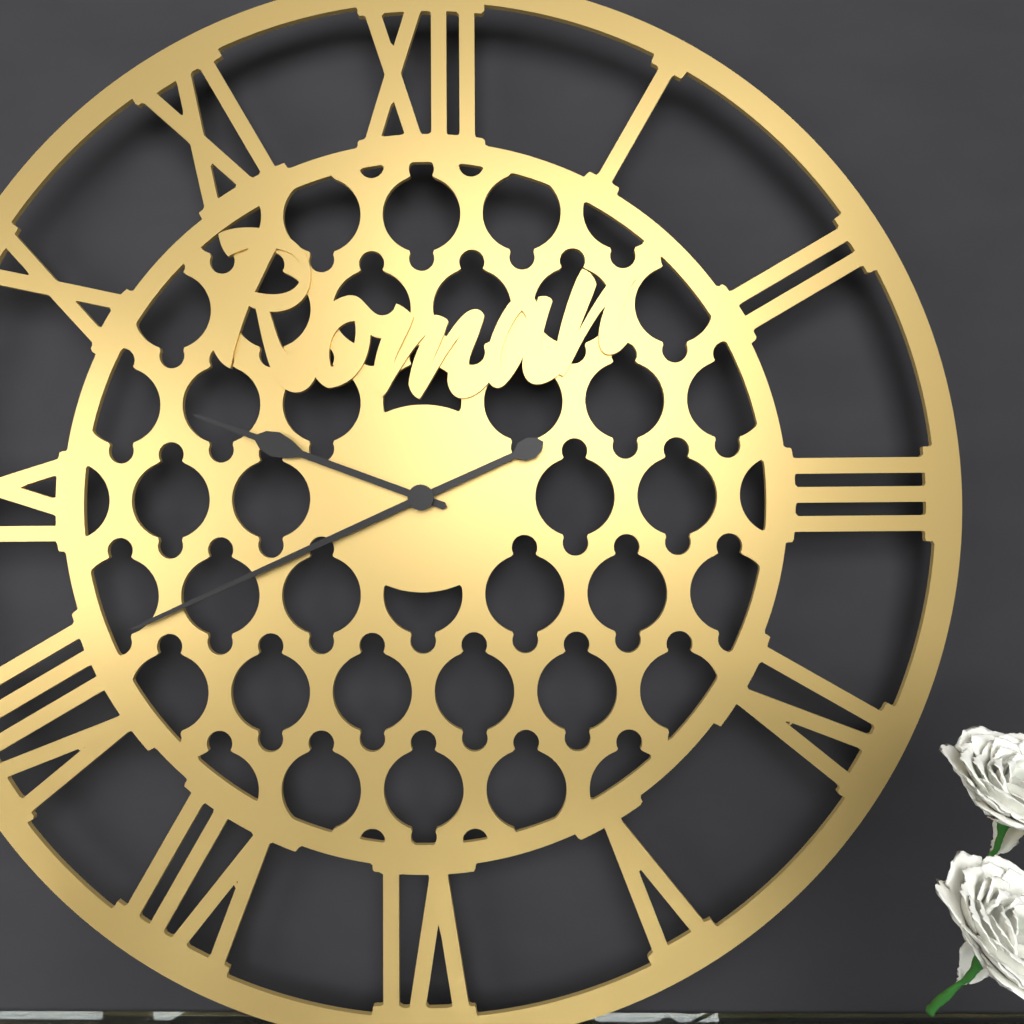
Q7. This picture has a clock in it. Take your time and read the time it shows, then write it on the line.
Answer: 9:41
